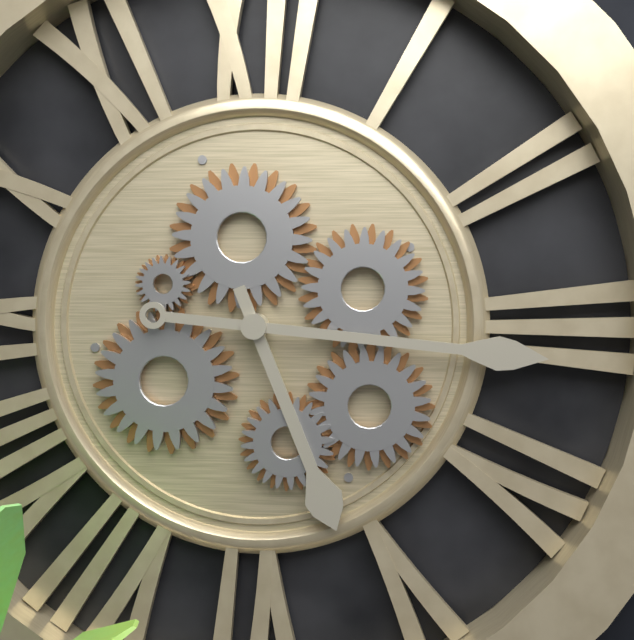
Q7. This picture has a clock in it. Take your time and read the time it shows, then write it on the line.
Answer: 5:16
